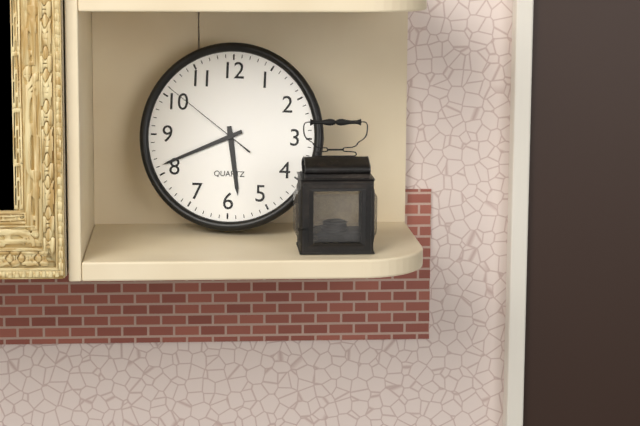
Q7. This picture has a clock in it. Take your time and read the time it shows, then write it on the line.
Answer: 5:41:51
